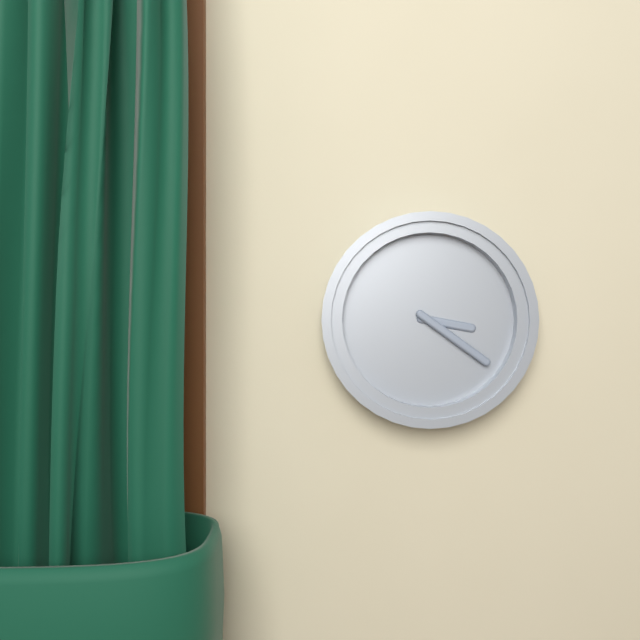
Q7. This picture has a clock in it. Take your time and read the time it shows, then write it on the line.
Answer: 3:21
